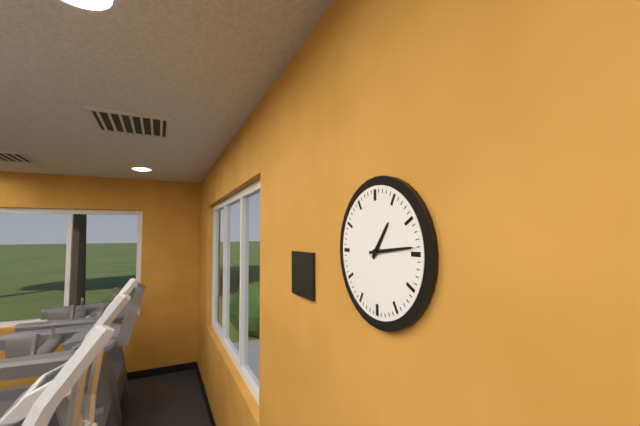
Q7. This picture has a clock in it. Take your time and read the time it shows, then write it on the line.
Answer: 1:14
